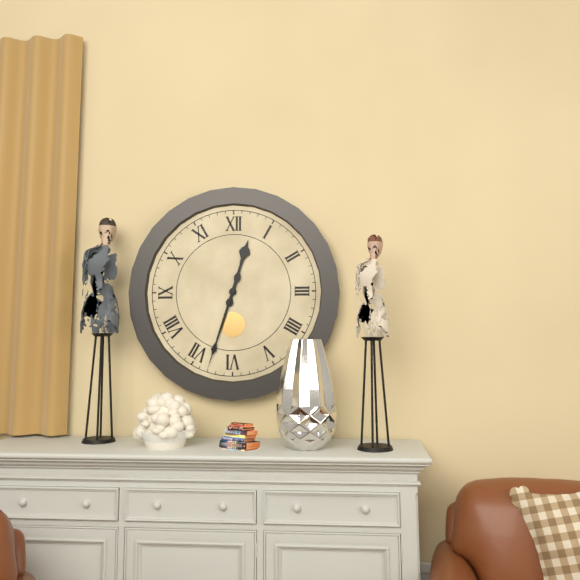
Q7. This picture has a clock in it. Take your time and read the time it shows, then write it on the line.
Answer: 12:33
